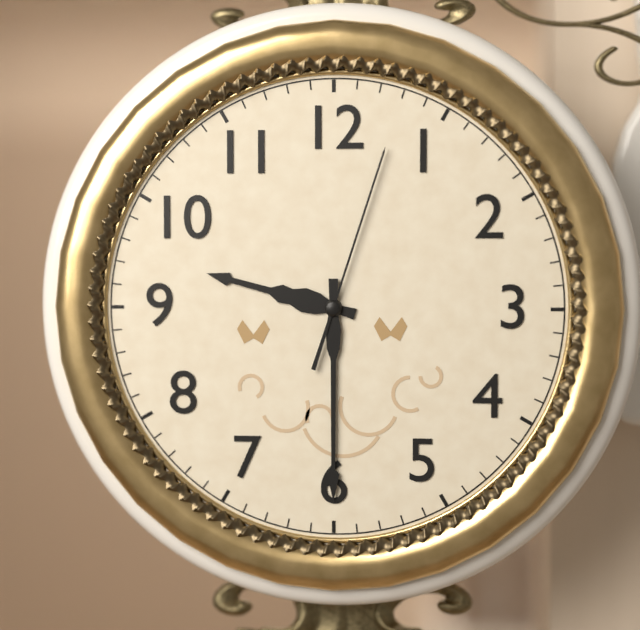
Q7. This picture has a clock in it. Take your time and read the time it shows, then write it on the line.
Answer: 9:30:03
